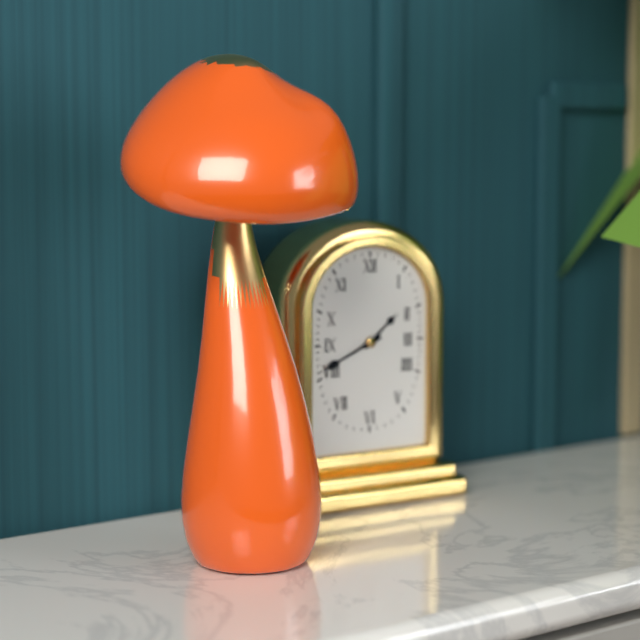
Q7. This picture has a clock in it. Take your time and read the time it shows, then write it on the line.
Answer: 1:41
